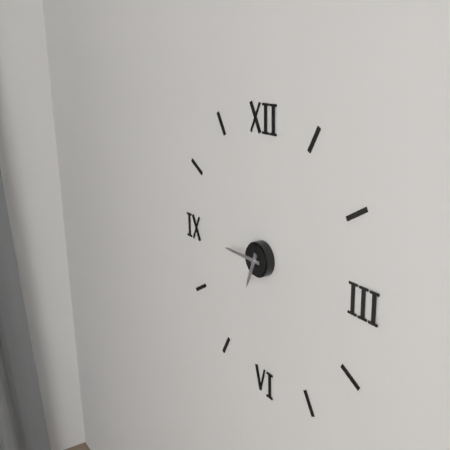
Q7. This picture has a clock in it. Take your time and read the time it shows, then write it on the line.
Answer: 6:45
